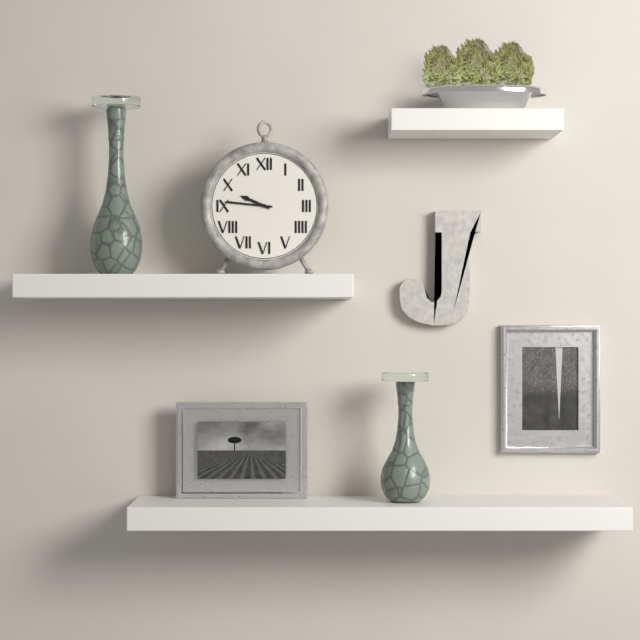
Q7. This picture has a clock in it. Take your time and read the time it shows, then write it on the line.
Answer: 9:46
